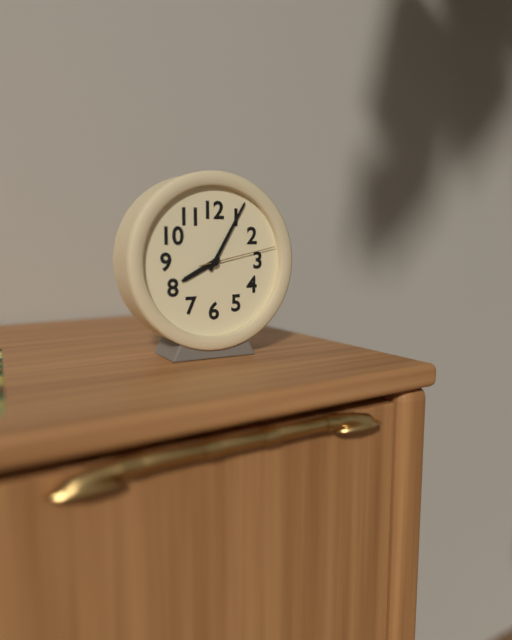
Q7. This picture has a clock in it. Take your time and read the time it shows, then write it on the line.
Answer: 8:05:13
